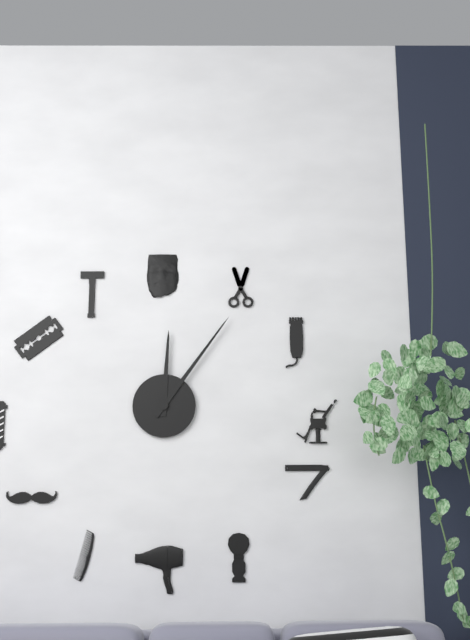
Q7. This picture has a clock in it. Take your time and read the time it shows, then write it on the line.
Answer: 12:06
